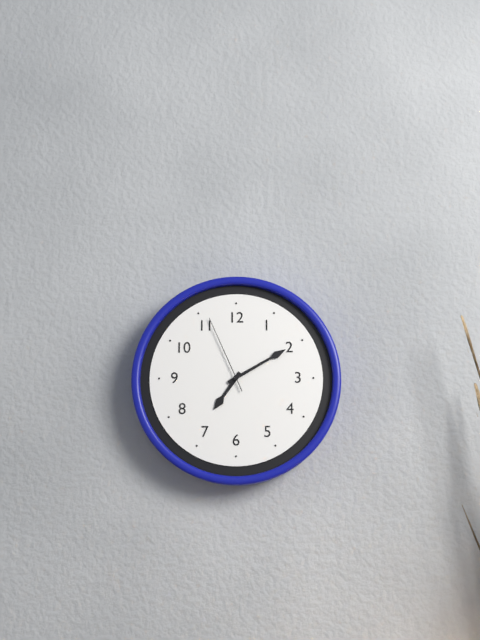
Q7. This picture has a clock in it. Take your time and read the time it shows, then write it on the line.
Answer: 7:10:56
